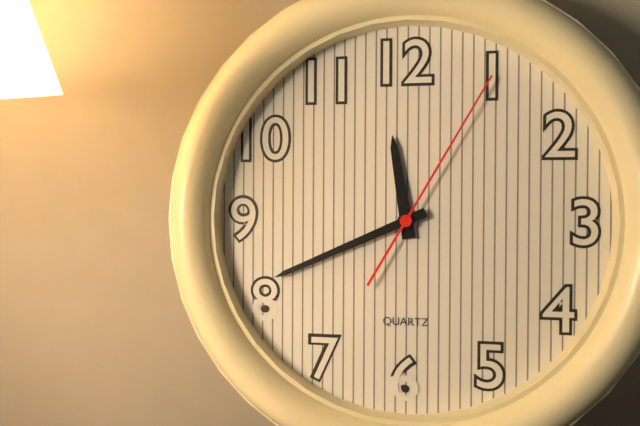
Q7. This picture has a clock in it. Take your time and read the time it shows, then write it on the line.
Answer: 11:41:05
